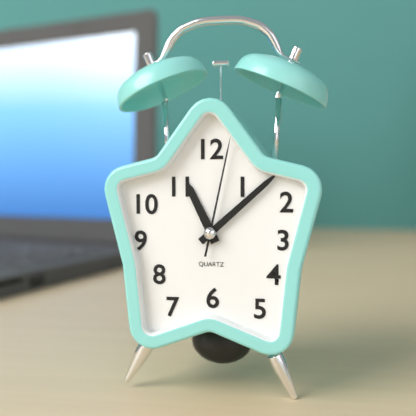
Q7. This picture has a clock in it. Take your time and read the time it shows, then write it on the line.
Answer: 11:08:02
